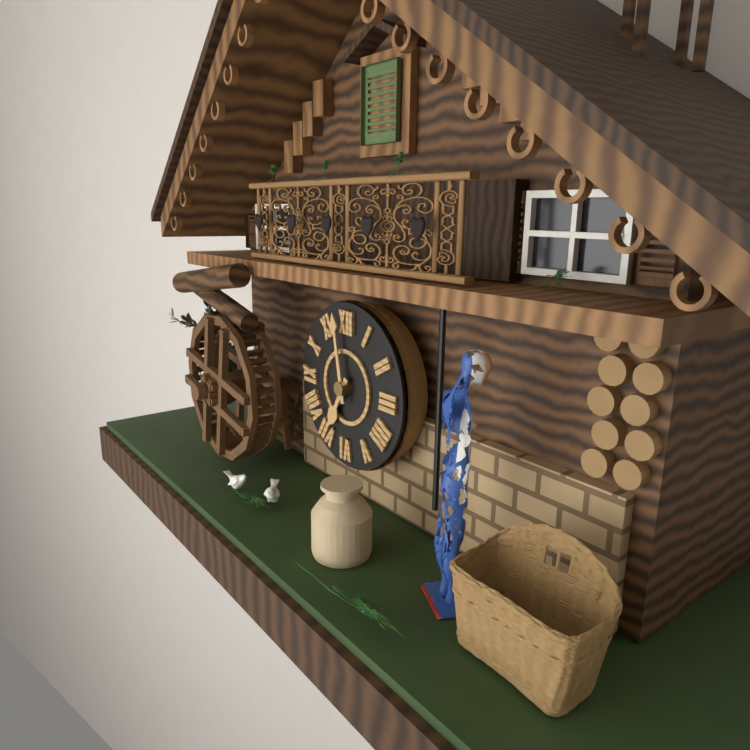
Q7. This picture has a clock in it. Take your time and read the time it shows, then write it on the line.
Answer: 6:58
